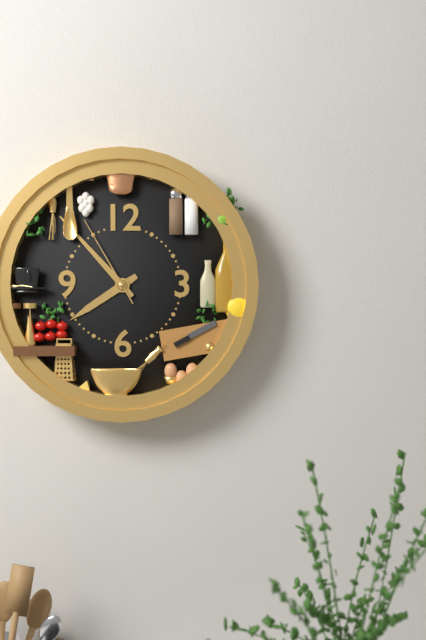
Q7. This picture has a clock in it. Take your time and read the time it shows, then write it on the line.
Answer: 7:53:55
